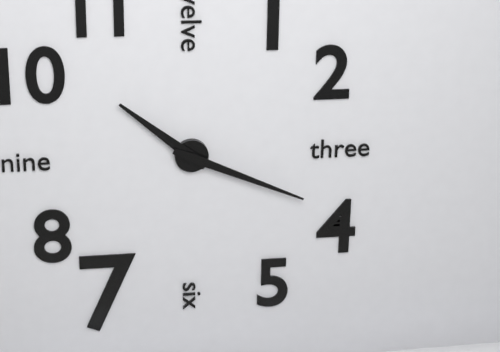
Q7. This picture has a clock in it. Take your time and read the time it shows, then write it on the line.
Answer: 10:19
